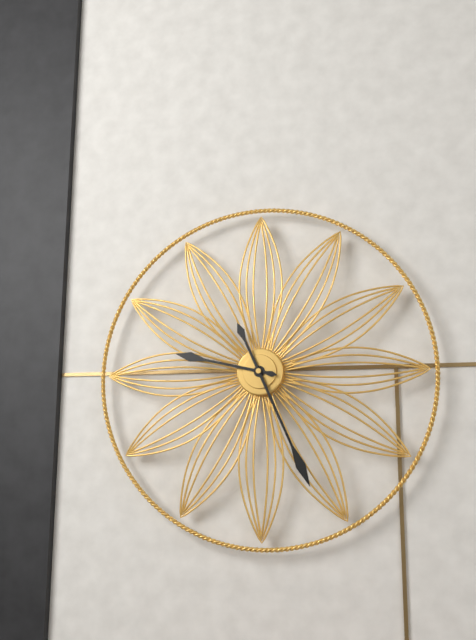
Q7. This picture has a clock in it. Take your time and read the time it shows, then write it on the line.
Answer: 9:26
